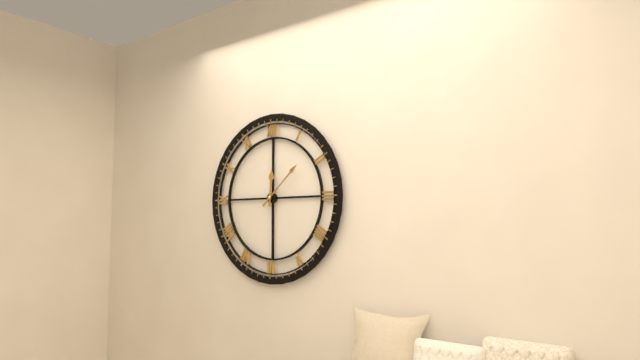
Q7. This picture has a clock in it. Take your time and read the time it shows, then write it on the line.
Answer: 12:08
